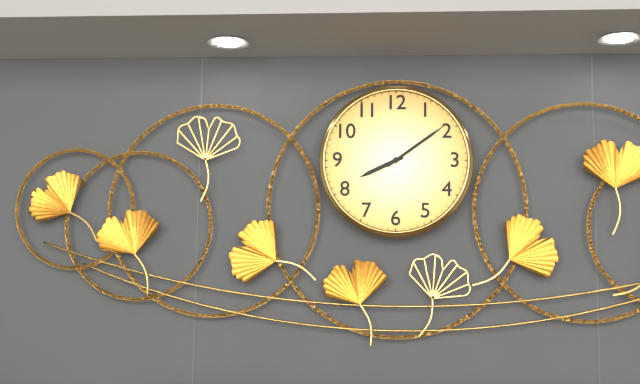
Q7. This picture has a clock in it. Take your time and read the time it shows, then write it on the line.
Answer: 8:09
